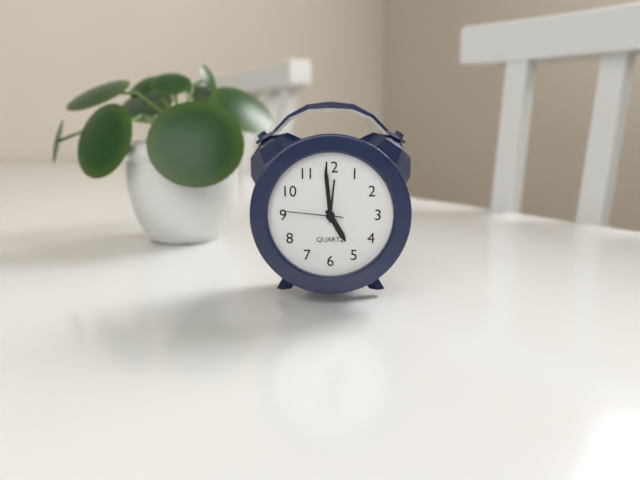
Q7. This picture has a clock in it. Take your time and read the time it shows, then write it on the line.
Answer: 4:59:46
